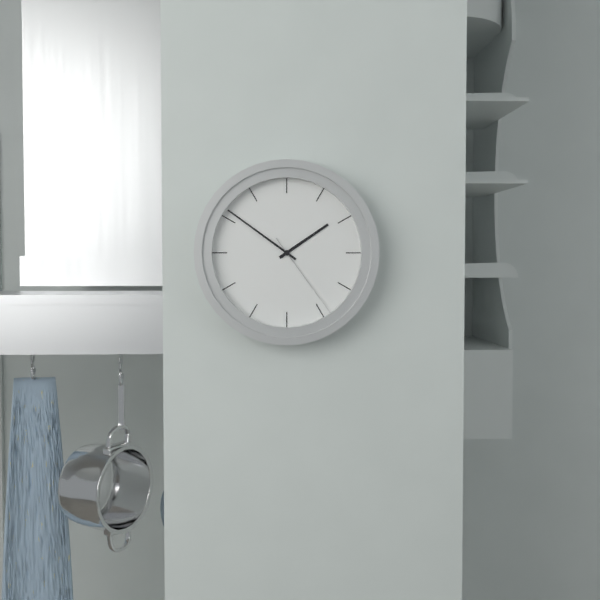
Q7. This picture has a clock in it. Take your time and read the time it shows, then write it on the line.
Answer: 1:51:24
